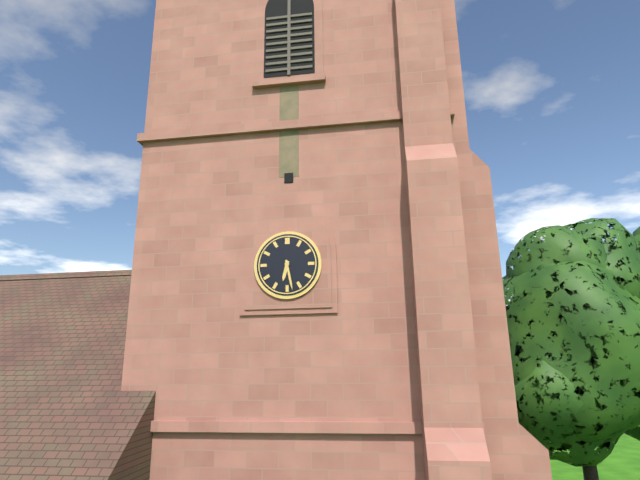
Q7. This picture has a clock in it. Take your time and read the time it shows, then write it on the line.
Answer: 6:28
